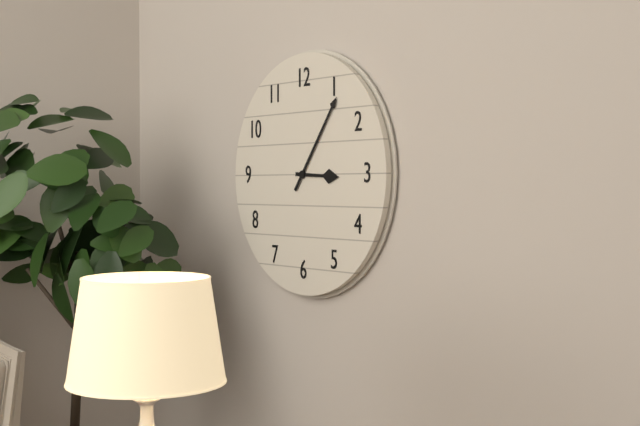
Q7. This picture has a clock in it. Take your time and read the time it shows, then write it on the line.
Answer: 3:06
